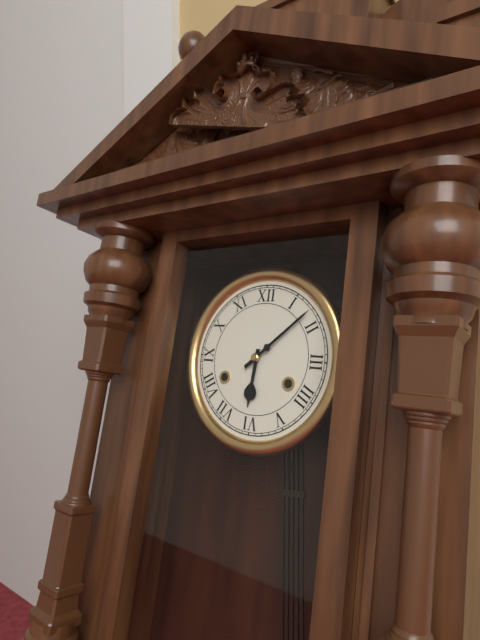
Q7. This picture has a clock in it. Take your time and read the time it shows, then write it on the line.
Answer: 6:08
